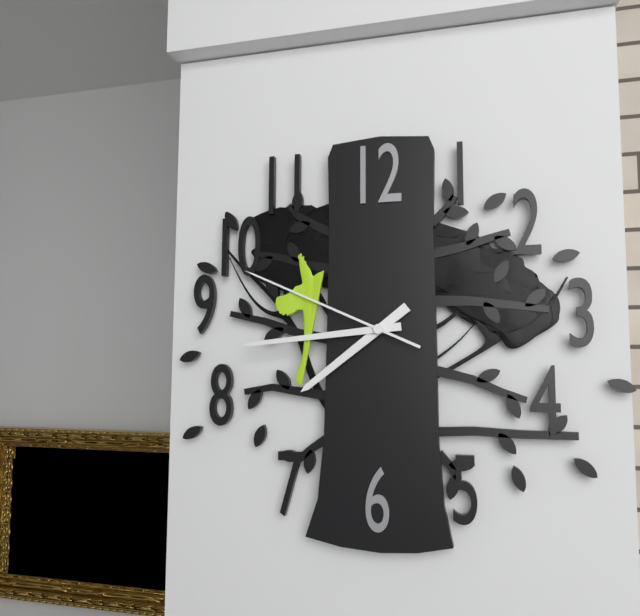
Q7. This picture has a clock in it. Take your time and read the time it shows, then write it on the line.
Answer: 7:44:49
